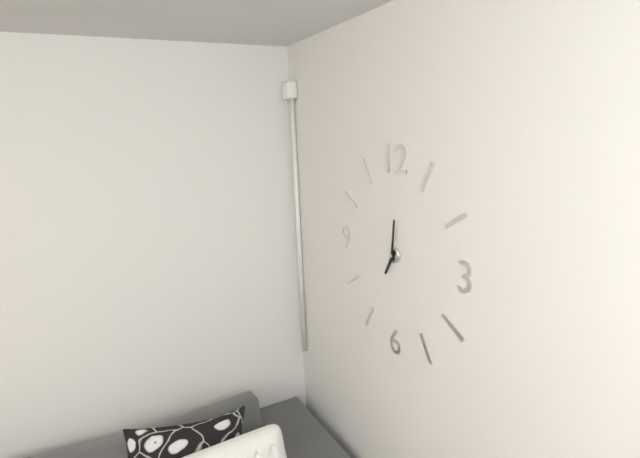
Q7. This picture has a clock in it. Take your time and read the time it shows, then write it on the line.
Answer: 7:01
